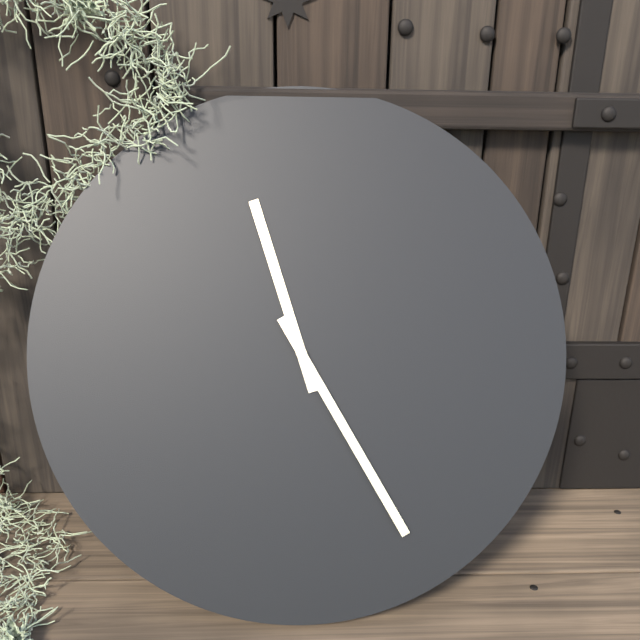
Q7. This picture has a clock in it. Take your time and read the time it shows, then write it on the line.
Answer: 11:25
